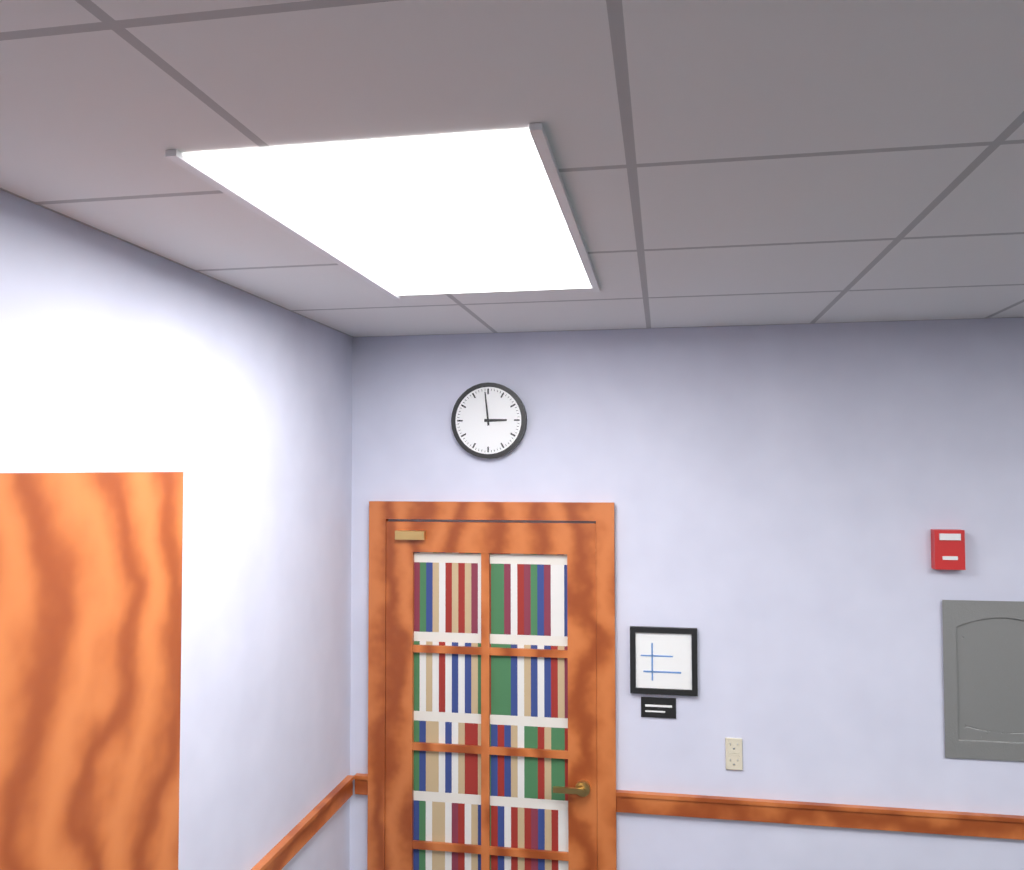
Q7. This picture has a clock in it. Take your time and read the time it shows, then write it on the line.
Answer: 2:59
